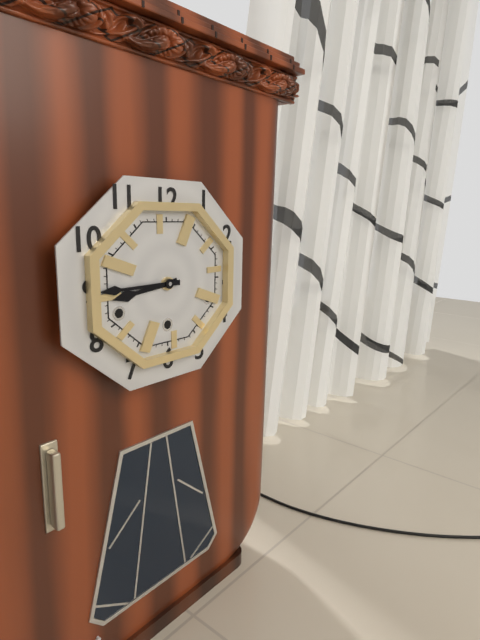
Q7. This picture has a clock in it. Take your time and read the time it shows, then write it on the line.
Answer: 8:45
